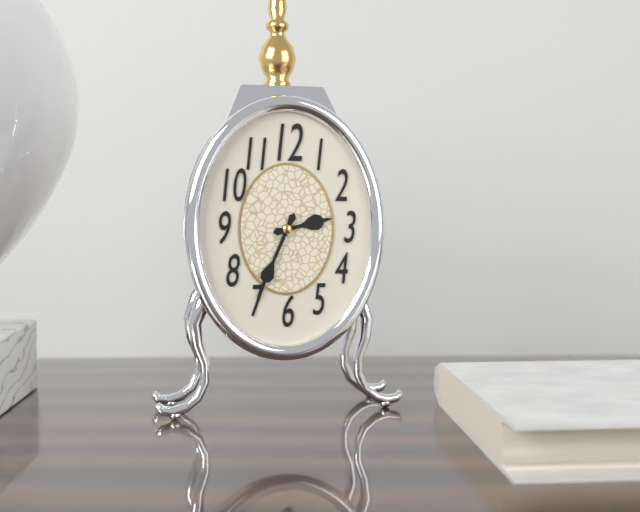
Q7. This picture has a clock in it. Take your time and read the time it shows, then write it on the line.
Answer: 2:34
